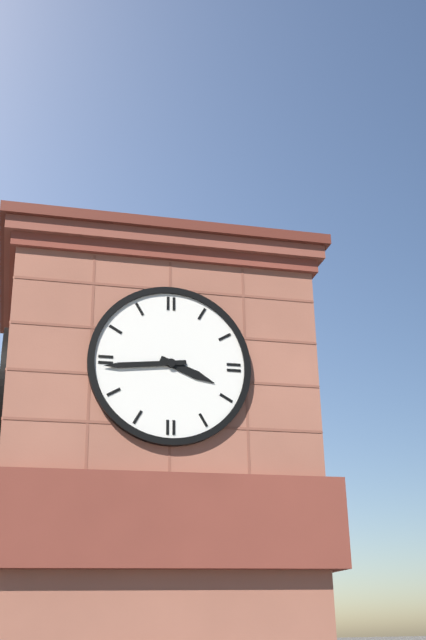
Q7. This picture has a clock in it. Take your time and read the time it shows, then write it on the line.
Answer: 3:44
